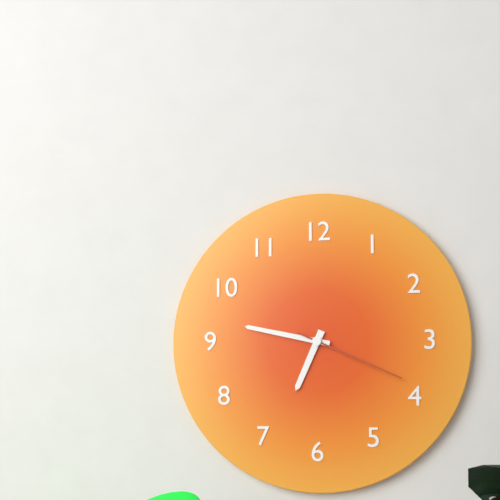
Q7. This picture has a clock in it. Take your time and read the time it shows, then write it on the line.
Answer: 6:47:19
